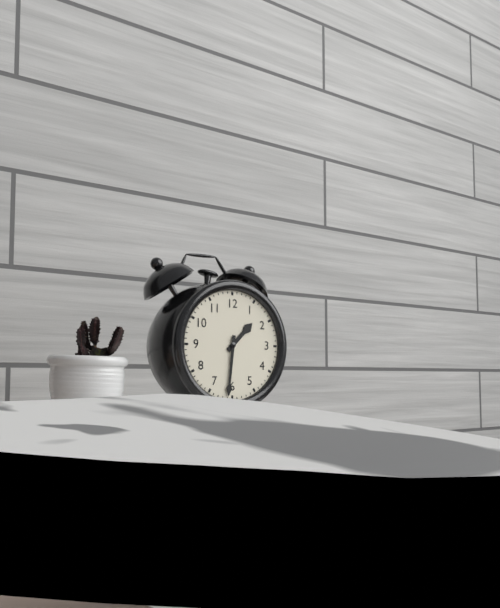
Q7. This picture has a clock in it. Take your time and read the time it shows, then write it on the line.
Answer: 1:31
